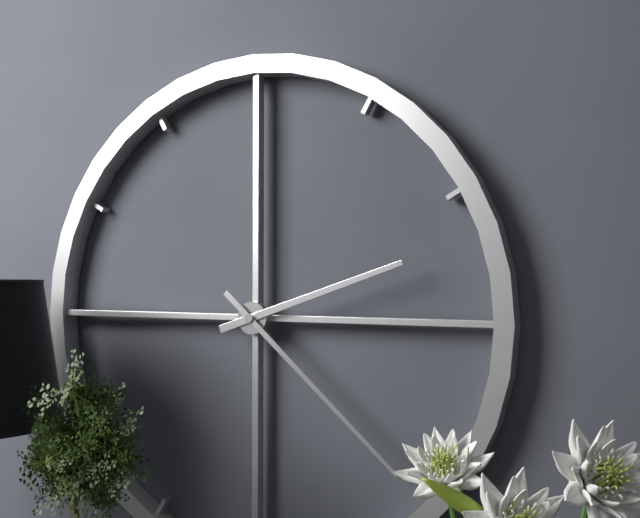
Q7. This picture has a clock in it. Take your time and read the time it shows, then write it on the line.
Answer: 2:22
